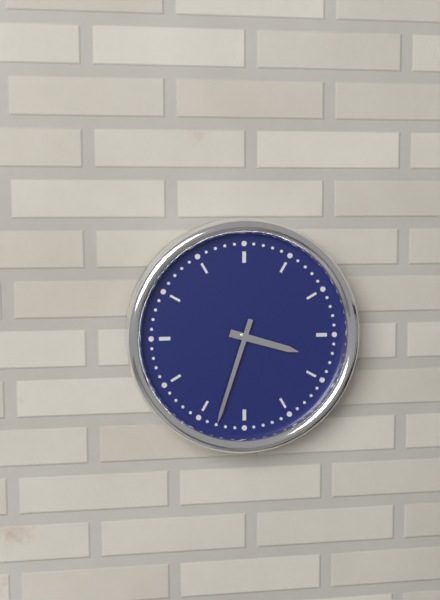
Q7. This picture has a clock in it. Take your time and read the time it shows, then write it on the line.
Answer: 3:33
